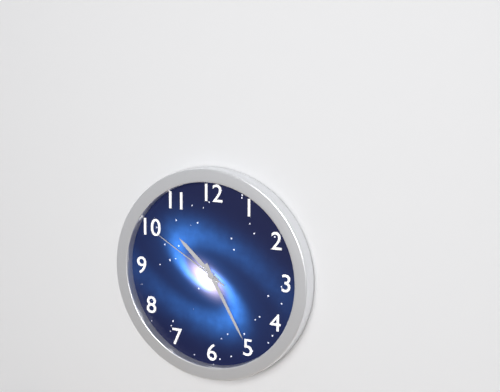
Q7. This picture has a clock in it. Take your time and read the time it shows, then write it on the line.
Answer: 10:25:50
